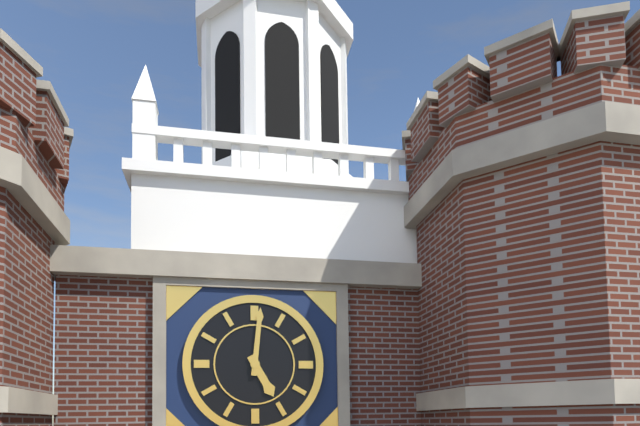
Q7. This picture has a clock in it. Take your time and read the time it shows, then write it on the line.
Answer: 5:01
